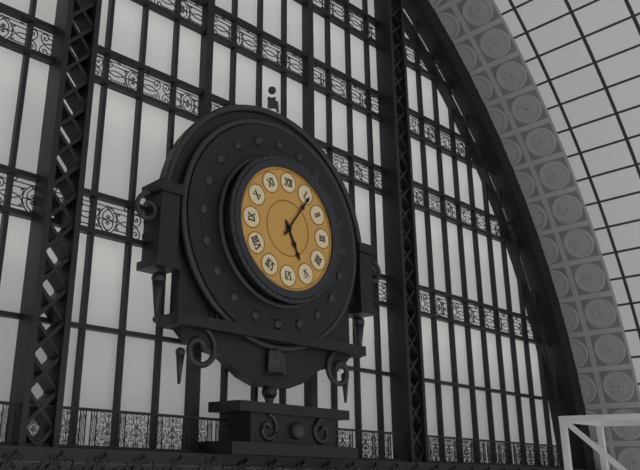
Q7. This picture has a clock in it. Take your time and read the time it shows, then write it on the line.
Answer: 5:06
